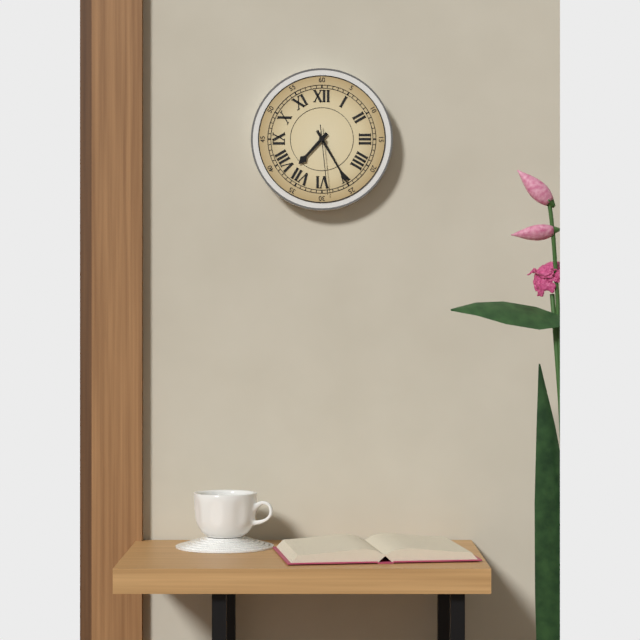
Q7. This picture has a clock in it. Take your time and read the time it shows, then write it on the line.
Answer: 7:25:29
